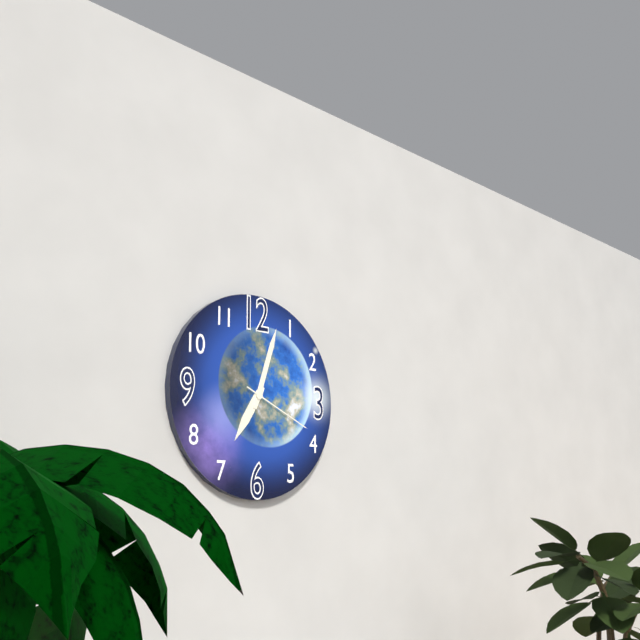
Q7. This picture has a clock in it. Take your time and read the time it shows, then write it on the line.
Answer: 7:03:19
